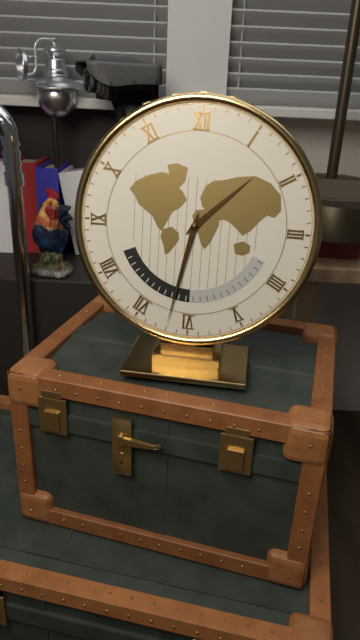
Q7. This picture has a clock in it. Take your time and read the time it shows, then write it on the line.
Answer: 1:32
